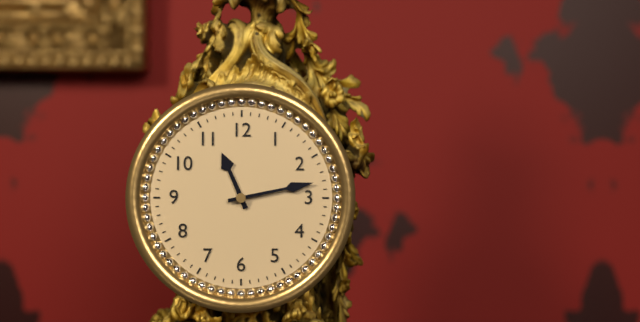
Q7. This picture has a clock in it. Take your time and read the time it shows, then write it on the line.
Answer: 11:13
